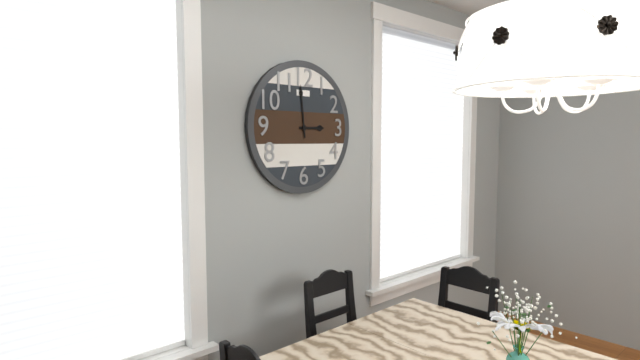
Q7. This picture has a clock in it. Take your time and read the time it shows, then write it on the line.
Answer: 2:59
